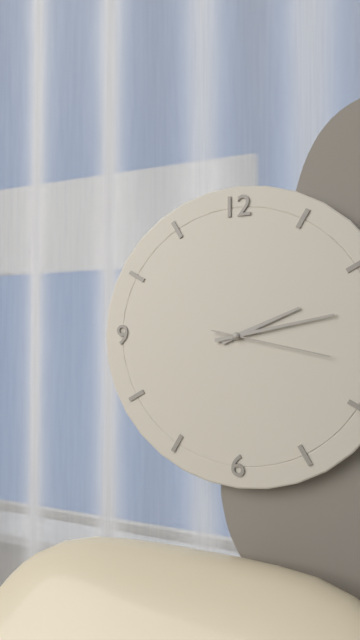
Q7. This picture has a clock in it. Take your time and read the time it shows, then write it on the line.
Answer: 2:13:17
